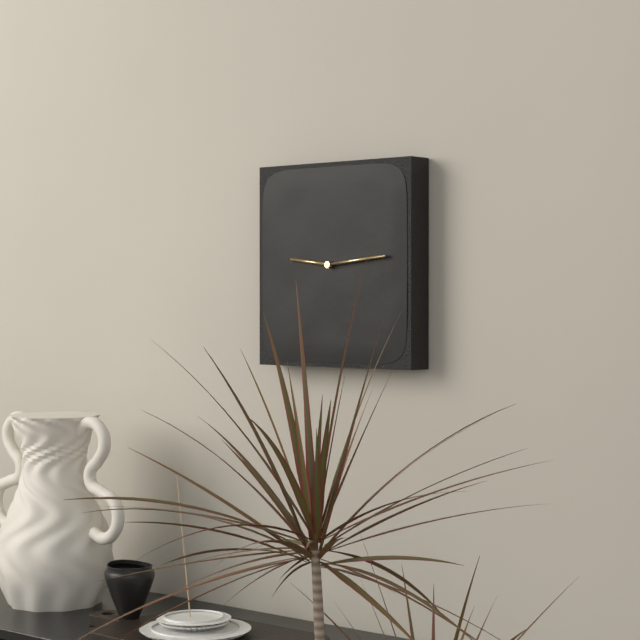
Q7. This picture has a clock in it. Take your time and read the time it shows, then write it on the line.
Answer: 9:14
